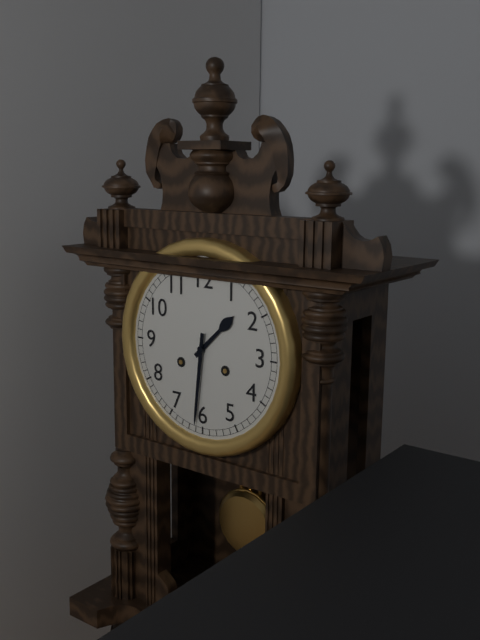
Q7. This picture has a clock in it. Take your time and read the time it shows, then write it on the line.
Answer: 1:31
